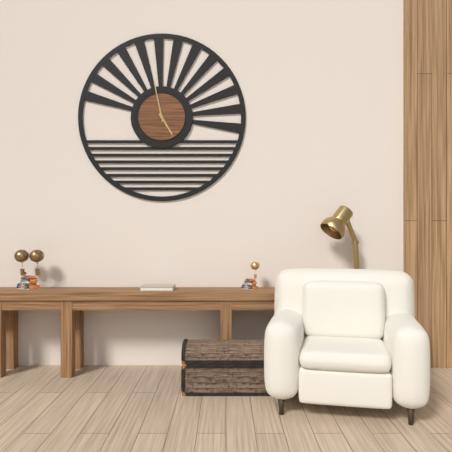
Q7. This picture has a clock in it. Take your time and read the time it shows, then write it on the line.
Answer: 4:58
